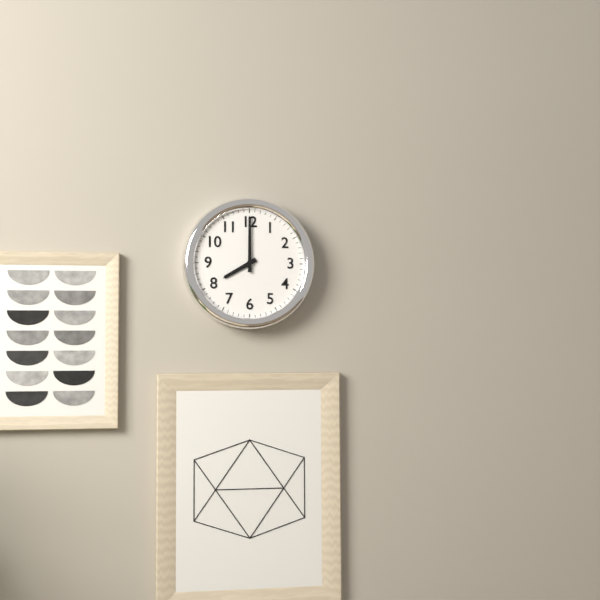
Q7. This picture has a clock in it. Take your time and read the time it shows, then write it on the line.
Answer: 8:00
